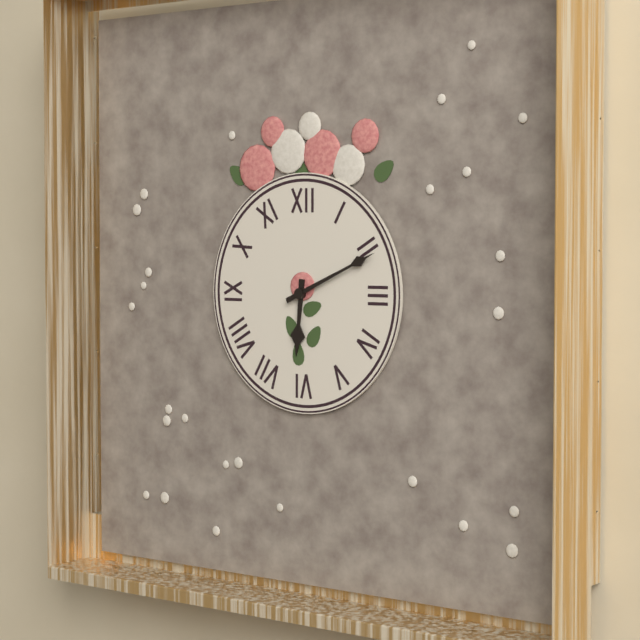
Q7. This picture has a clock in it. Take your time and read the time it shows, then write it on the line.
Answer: 6:11
